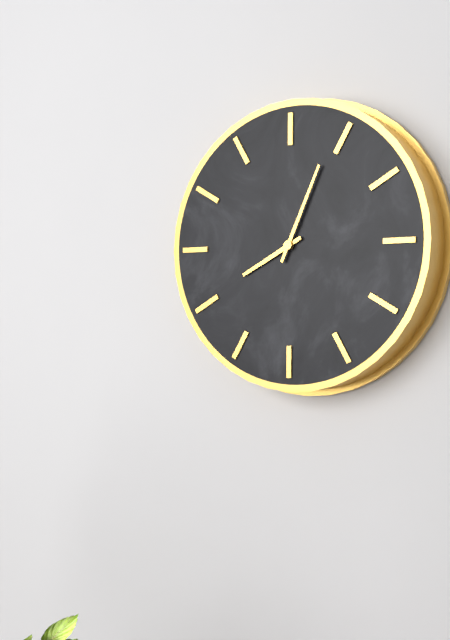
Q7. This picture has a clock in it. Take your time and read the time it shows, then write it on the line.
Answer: 8:04
